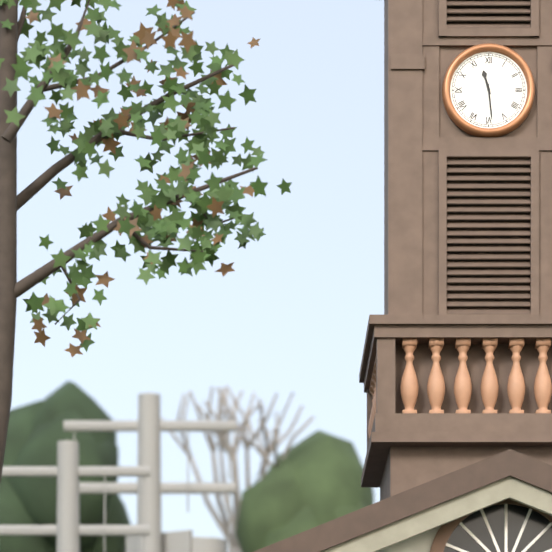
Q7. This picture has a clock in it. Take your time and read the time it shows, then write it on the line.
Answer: 11:29
